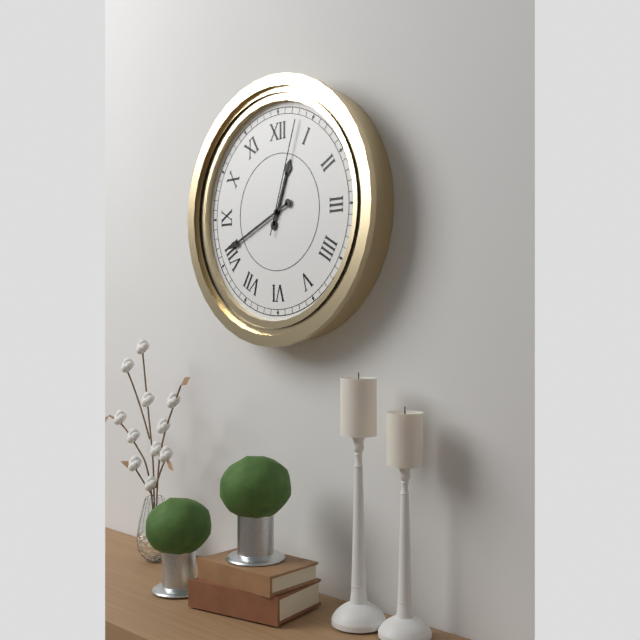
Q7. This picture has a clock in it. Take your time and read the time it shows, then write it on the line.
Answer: 12:41:03
